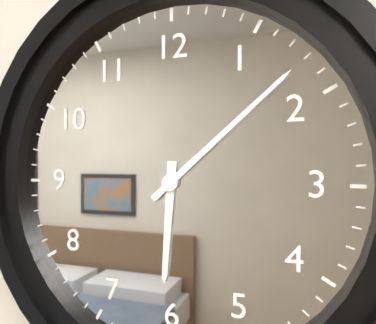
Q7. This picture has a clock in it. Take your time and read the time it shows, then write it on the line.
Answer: 6:08
